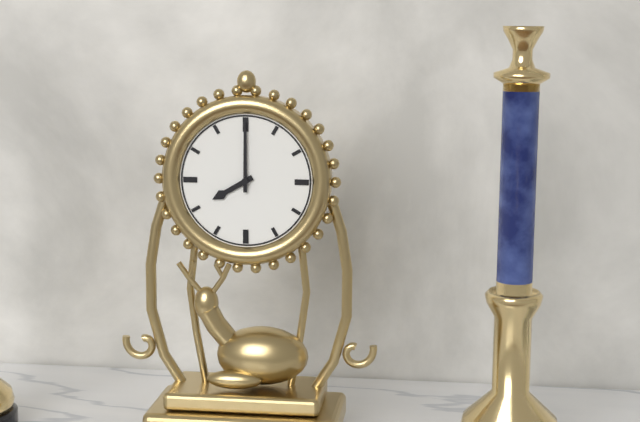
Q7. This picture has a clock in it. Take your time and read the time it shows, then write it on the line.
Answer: 8:00
